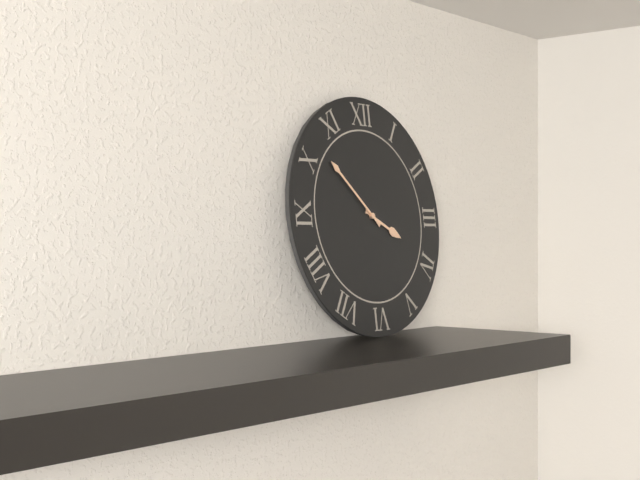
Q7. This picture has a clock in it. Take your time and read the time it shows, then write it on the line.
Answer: 3:52
